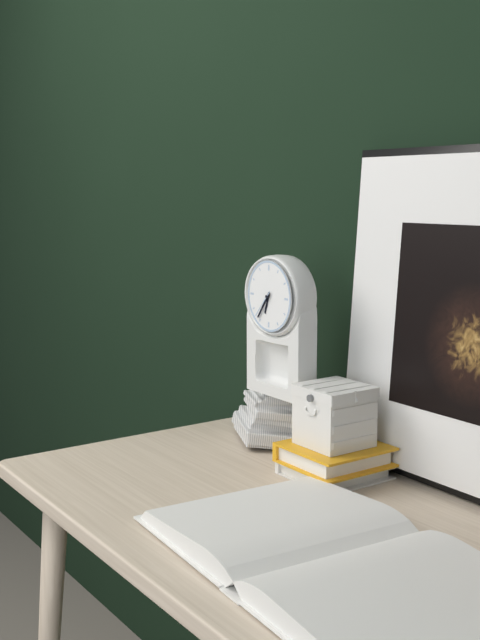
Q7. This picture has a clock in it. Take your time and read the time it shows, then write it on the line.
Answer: 6:36
